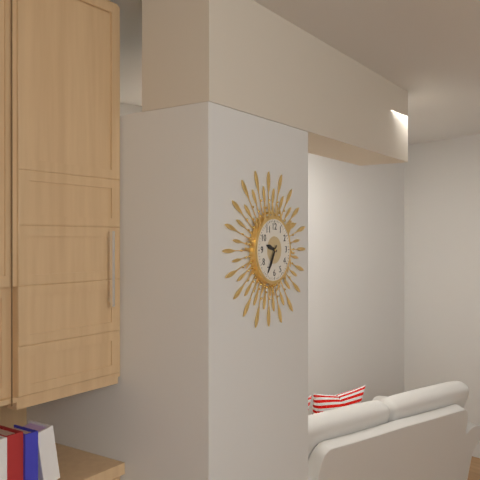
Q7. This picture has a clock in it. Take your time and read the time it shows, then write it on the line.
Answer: 9:35
